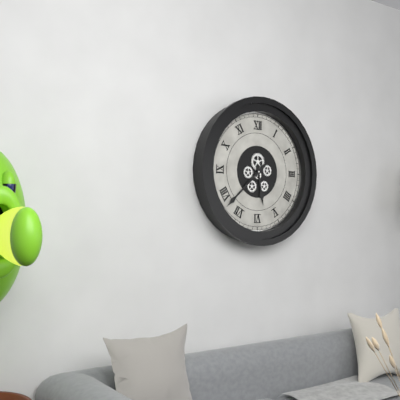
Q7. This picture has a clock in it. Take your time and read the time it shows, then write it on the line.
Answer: 5:38
